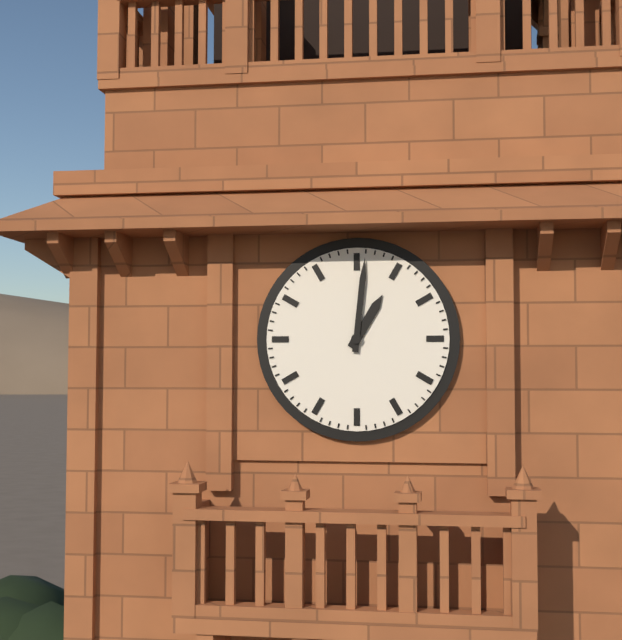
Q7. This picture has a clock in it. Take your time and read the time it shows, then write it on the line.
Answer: 1:01
